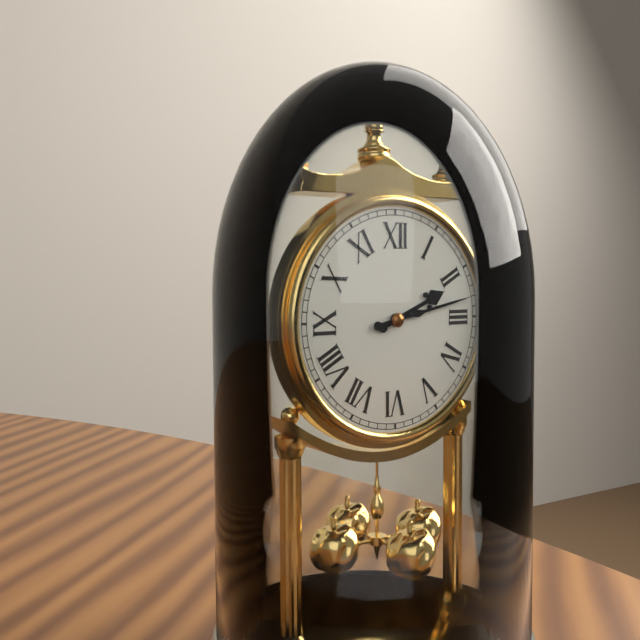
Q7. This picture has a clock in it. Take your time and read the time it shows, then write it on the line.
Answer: 2:13
